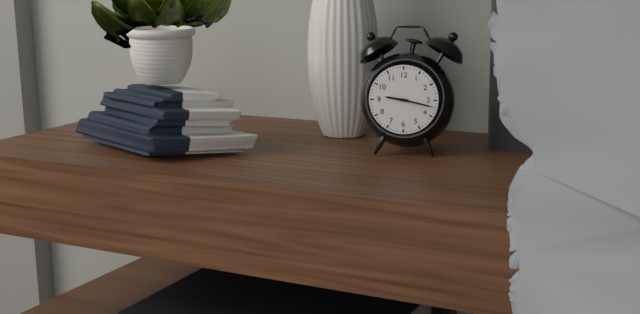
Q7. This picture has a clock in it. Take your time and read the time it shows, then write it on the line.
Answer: 9:17
